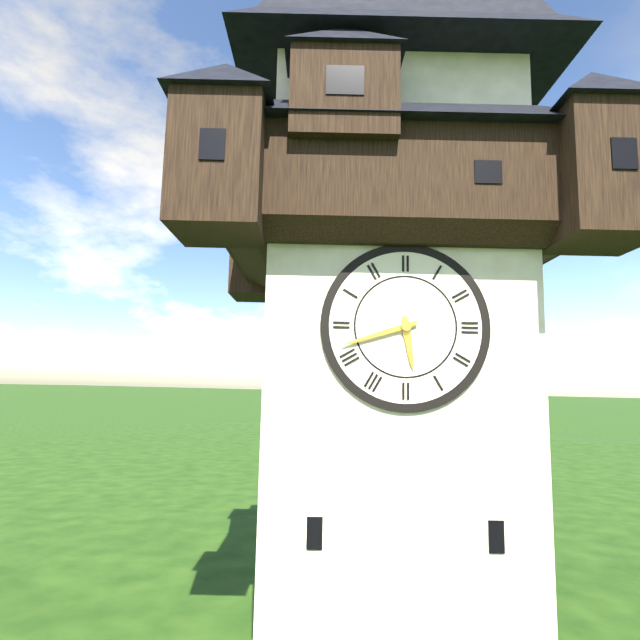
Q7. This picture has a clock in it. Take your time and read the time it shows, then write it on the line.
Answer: 5:42
